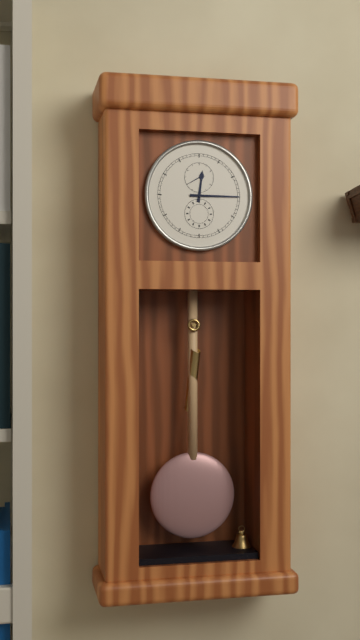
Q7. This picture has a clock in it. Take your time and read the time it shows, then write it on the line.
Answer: 12:15
